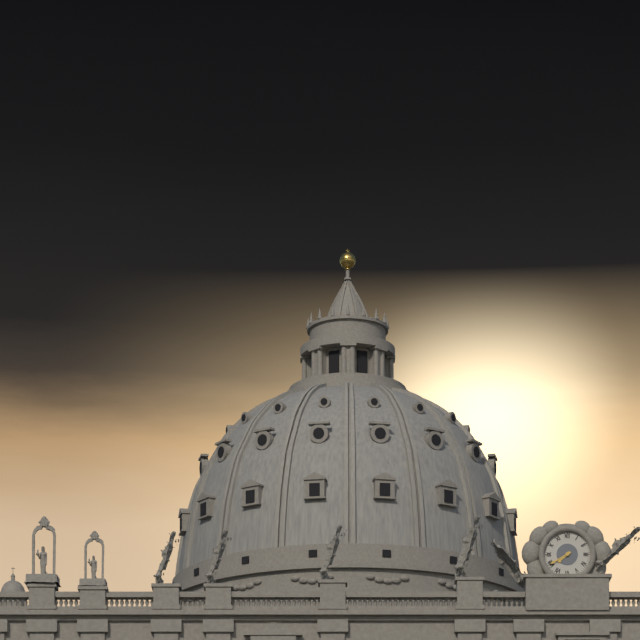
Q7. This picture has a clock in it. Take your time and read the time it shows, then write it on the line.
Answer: 7:40
